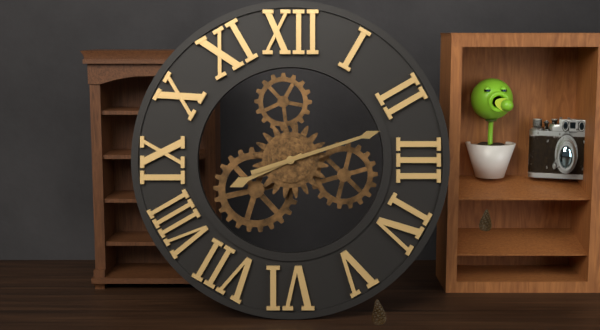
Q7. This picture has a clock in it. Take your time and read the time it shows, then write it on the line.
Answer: 8:12
